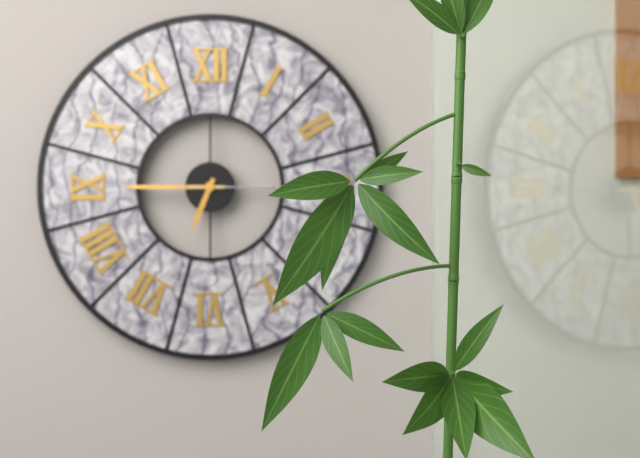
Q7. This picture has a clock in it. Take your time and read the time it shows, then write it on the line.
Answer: 6:45:15
